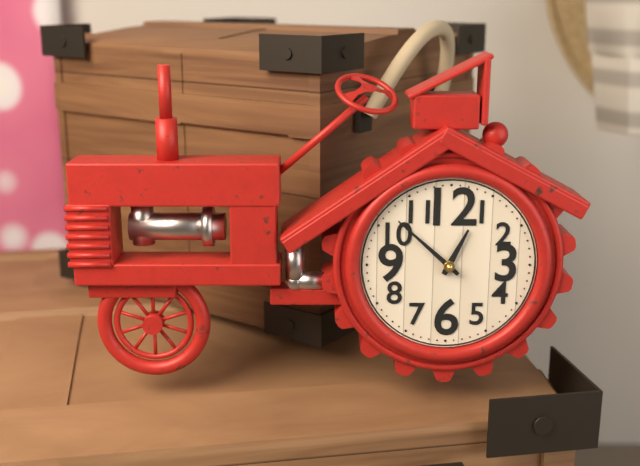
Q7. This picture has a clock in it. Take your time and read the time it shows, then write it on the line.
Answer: 12:52
